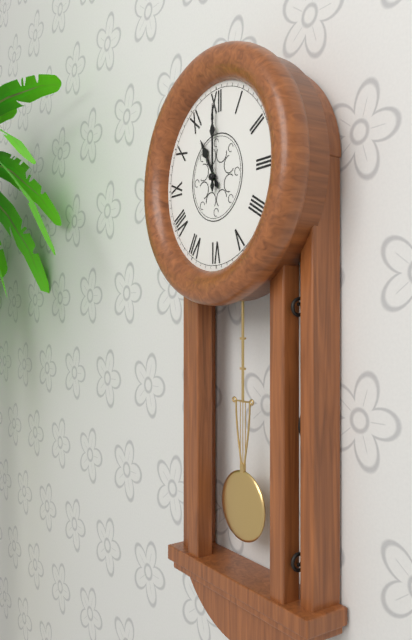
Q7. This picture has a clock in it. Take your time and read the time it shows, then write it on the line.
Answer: 11:00
